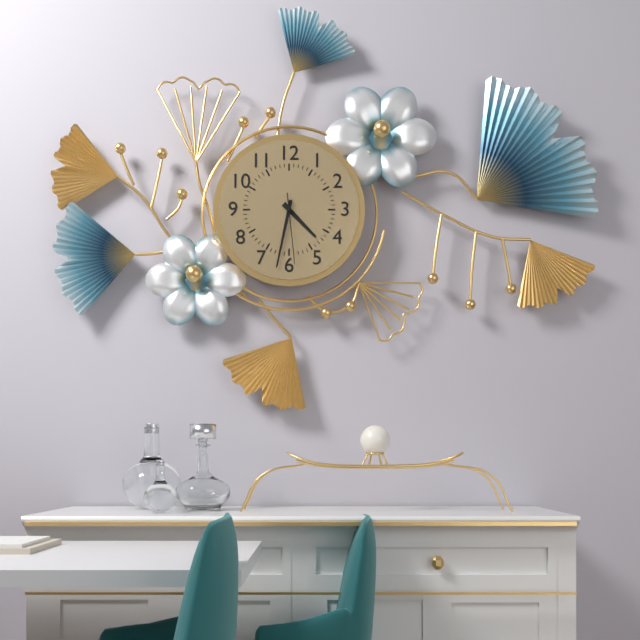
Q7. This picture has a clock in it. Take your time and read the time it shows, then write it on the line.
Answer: 4:32:29
